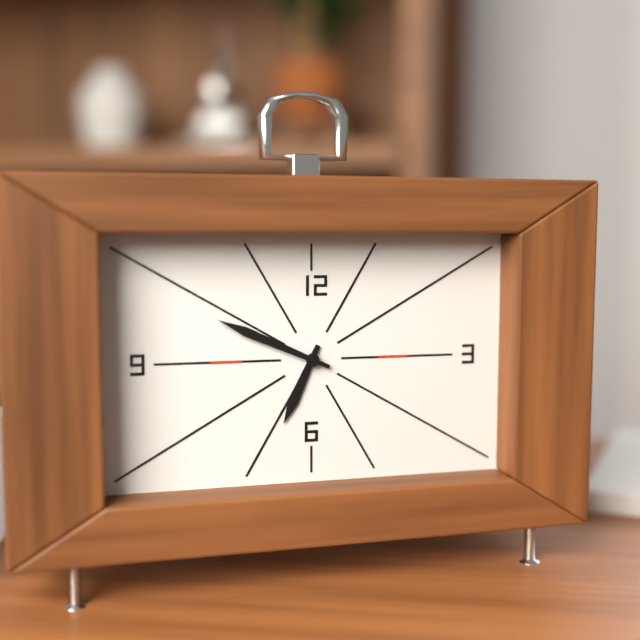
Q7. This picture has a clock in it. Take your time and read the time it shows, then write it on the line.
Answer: 6:49
